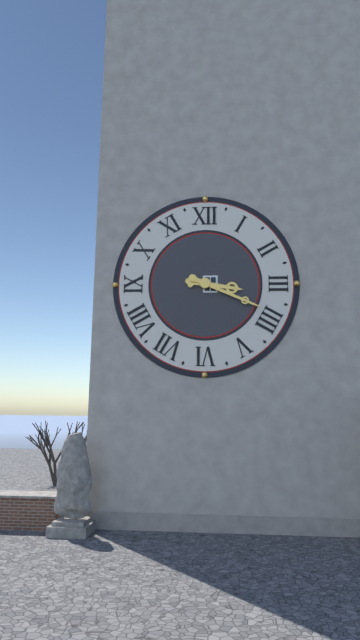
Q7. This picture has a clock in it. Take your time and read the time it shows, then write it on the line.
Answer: 3:19
